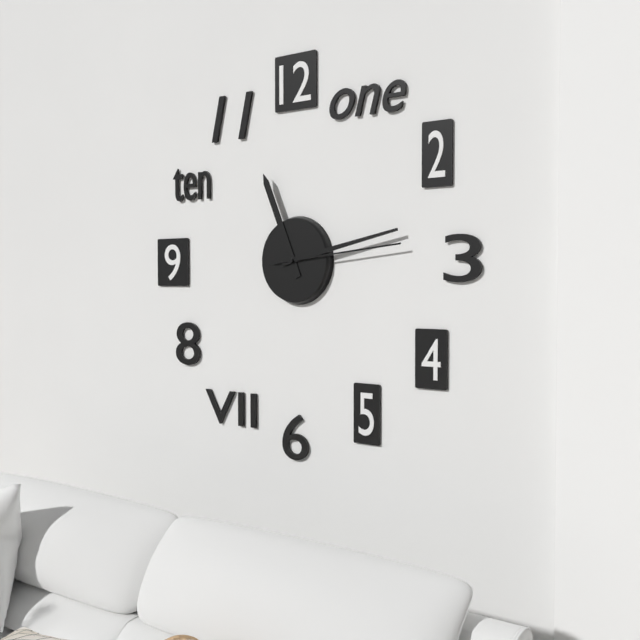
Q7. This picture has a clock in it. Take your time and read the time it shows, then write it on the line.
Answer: 11:13:14
